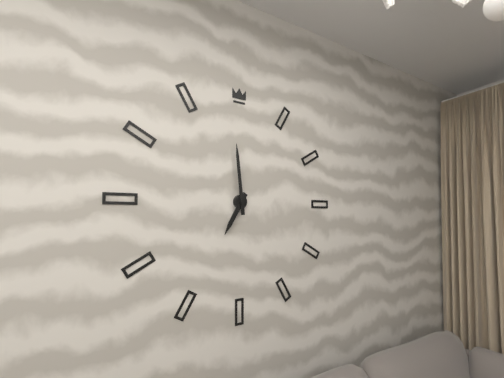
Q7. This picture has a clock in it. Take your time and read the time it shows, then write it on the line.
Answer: 6:59
